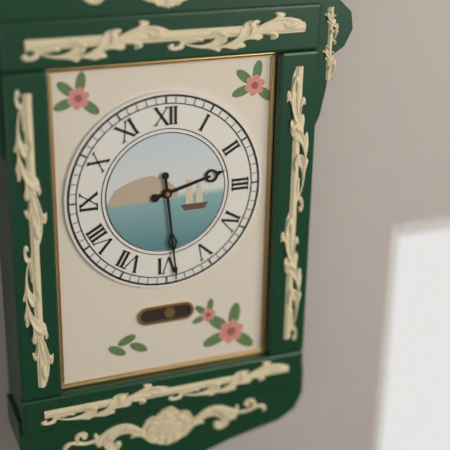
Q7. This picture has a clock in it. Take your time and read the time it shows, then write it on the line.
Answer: 2:29
